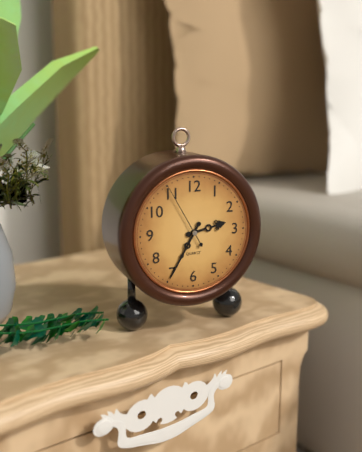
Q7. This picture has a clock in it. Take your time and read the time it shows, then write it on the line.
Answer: 2:35:55
